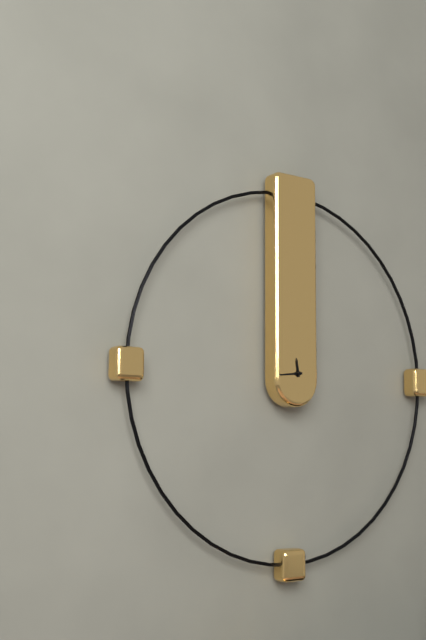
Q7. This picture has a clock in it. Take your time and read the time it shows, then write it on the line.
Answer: 11:44
